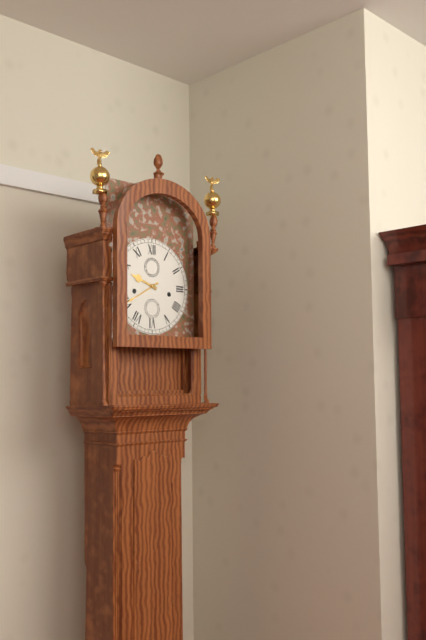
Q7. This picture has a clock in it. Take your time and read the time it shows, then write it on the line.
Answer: 9:40
